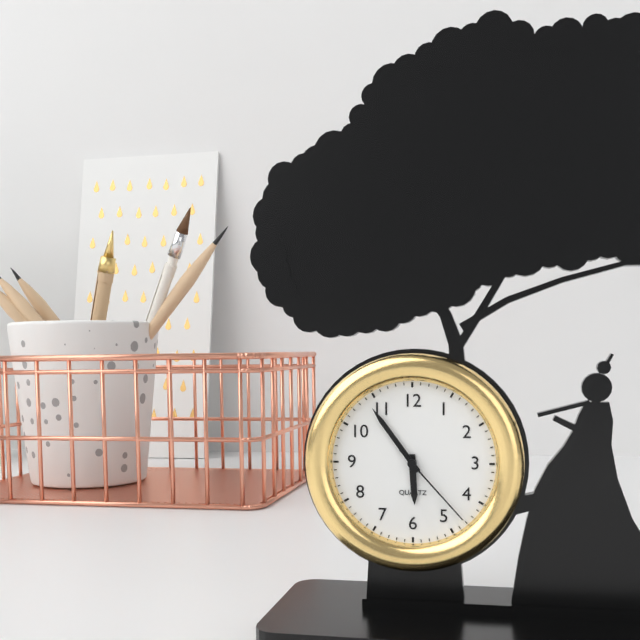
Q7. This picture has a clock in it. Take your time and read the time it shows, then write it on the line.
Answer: 5:54:23
